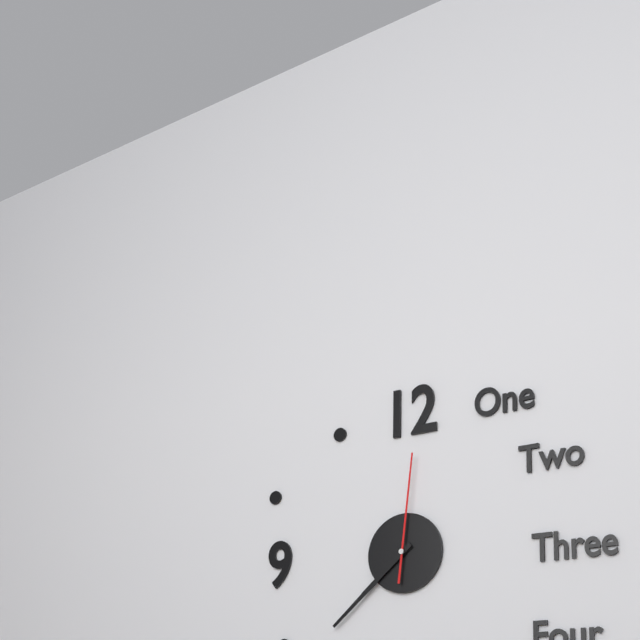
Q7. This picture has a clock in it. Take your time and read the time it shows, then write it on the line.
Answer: 7:38:01
